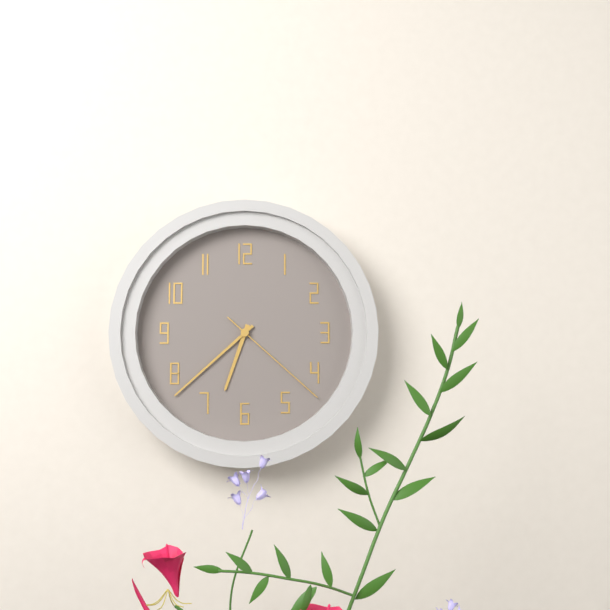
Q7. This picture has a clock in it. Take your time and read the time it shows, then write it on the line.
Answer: 6:38:22
